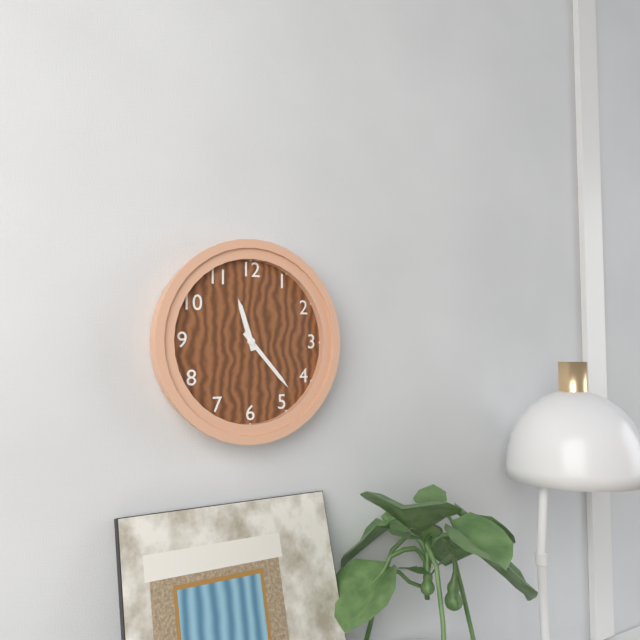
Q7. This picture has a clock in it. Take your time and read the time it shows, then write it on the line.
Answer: 11:23
